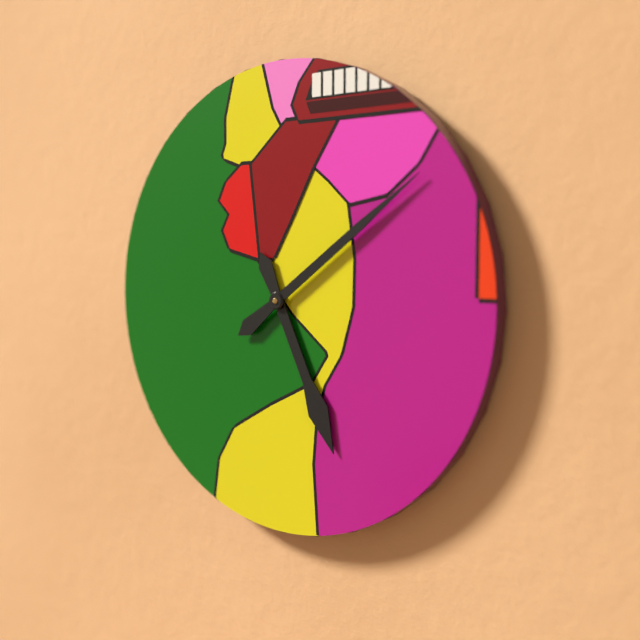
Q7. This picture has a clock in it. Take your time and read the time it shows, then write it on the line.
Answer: 5:09
